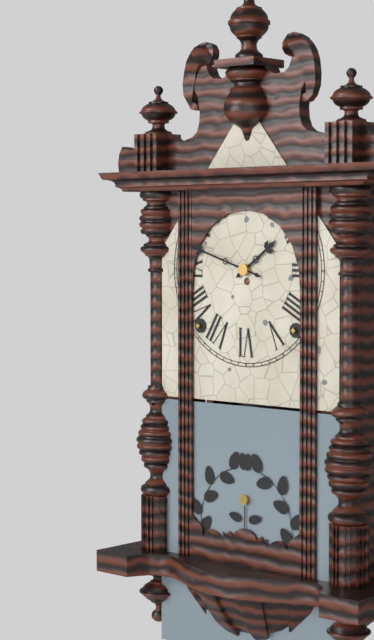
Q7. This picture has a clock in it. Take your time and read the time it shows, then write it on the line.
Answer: 1:48
